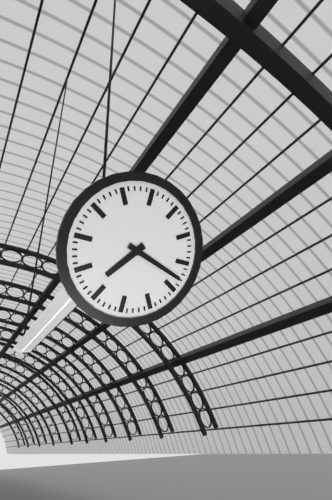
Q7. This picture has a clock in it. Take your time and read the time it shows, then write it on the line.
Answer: 7:18
